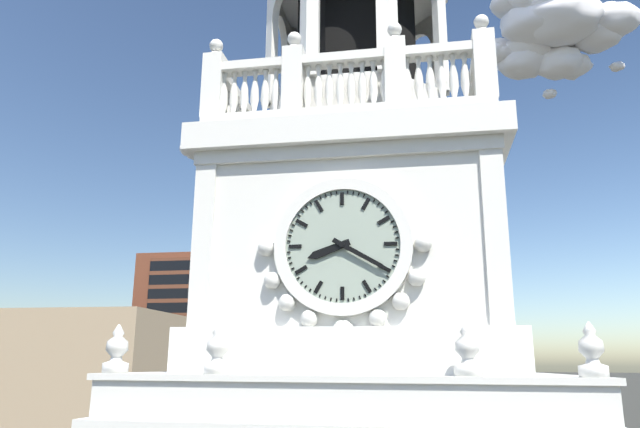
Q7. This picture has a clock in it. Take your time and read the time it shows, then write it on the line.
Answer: 8:20
